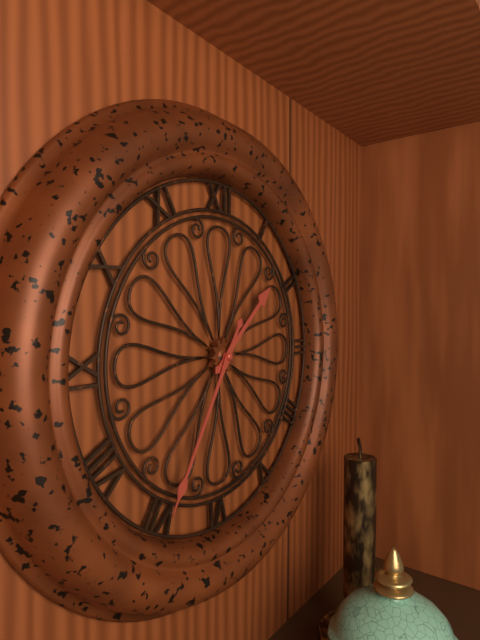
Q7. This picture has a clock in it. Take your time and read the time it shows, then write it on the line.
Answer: 1:35
